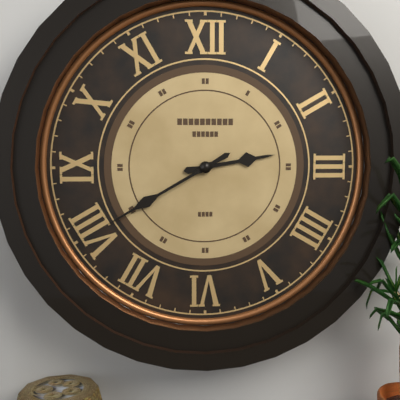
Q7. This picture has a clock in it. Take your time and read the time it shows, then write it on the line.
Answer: 2:40
